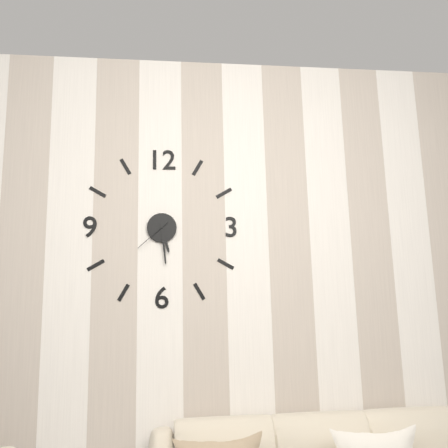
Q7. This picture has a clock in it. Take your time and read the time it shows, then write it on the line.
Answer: 5:29
